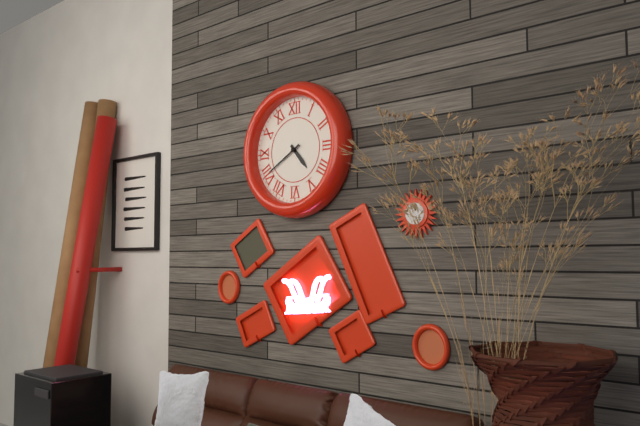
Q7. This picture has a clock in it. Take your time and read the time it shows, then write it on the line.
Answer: 4:40
